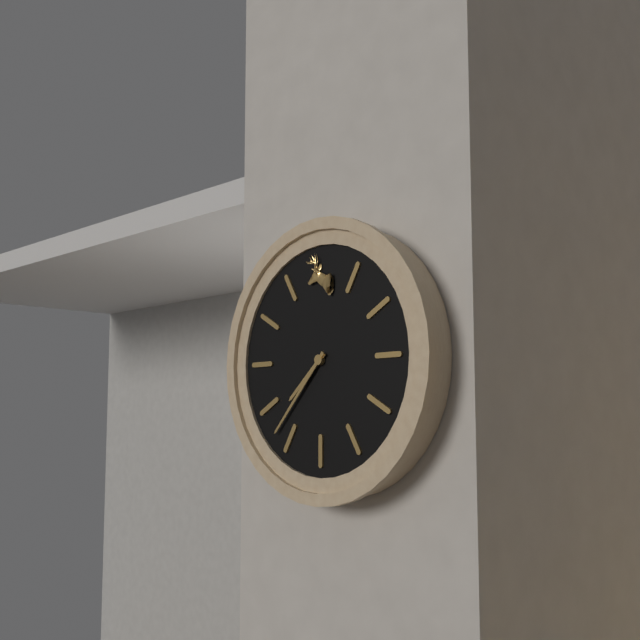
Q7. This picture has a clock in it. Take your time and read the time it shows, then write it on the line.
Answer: 7:37
